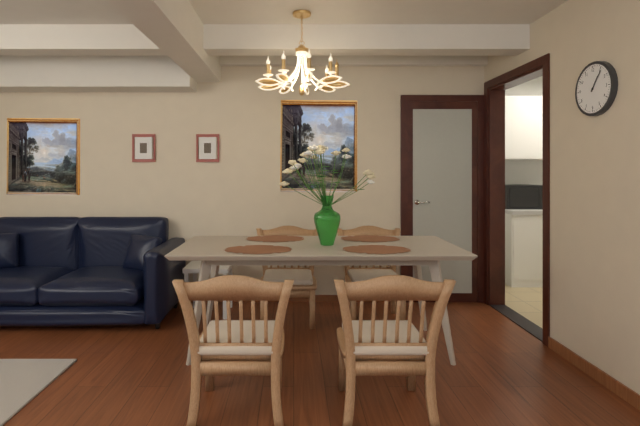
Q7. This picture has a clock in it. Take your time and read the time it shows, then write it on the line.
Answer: 1:06
